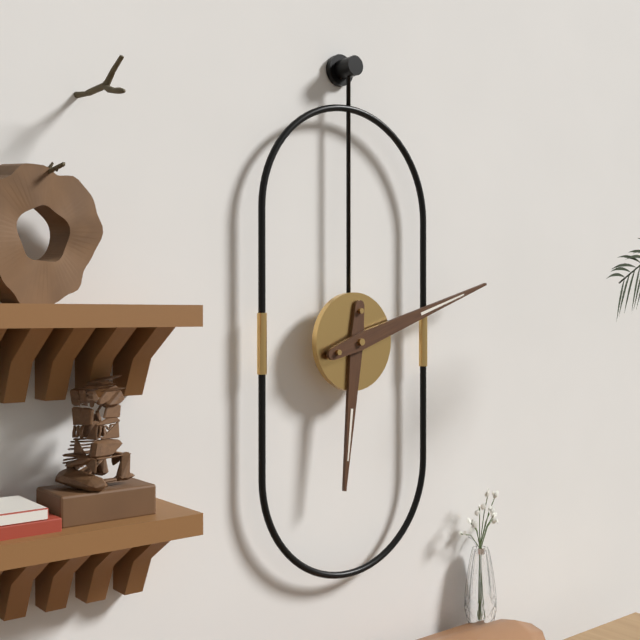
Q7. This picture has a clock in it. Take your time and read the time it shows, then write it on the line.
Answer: 6:12
